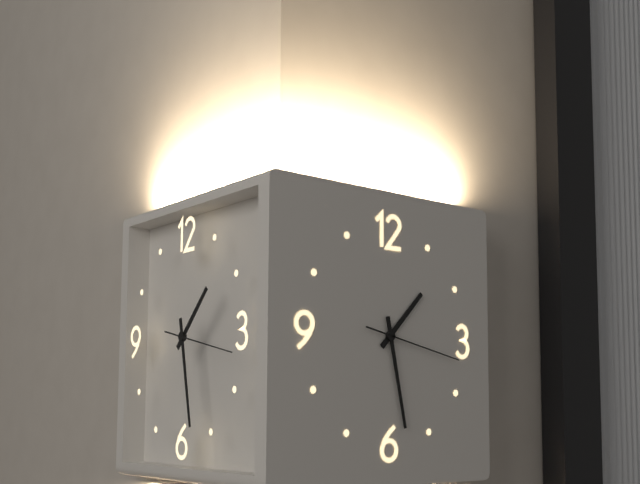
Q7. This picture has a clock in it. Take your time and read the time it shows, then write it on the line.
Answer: 1:28:17
